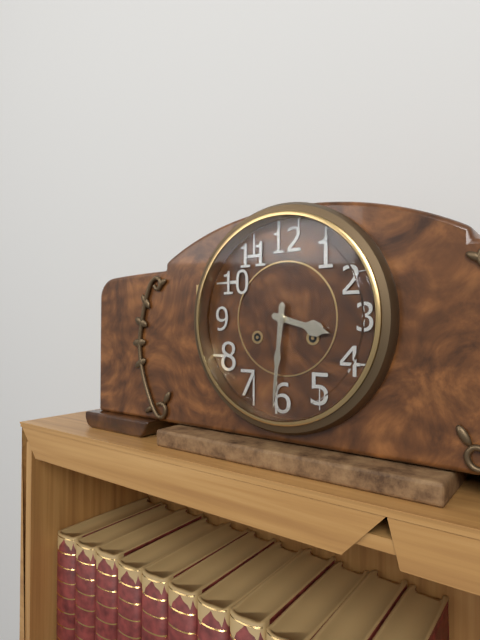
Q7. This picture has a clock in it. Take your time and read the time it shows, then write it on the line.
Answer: 3:31
